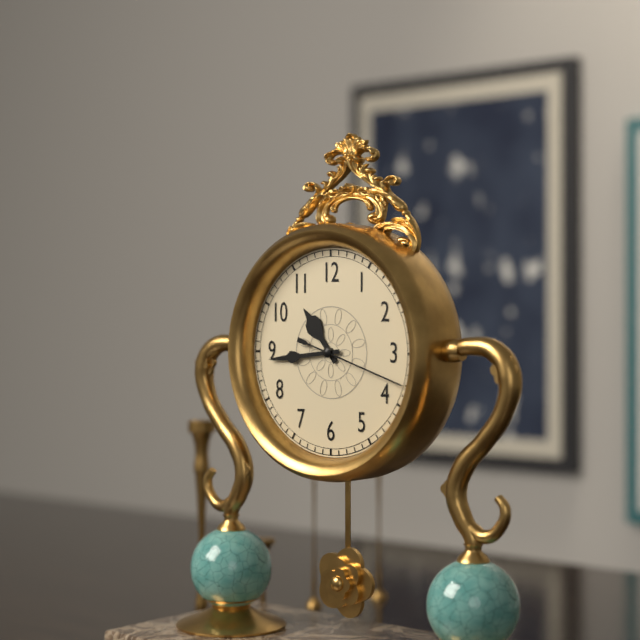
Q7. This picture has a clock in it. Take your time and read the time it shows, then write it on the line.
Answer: 10:44:18
